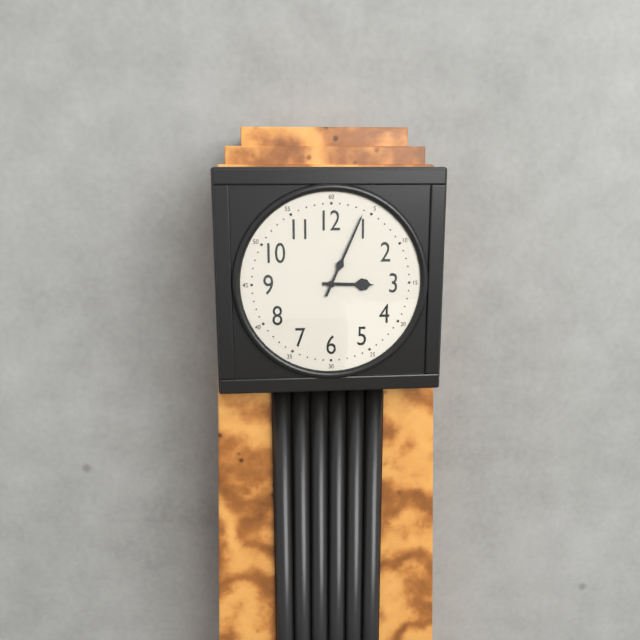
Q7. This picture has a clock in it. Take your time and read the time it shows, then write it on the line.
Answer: 3:04
